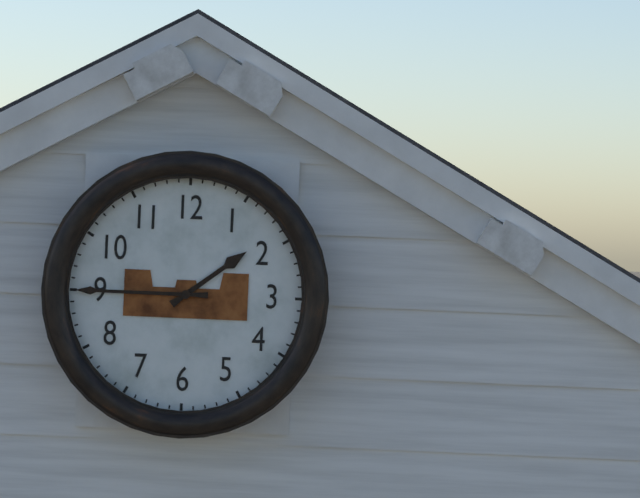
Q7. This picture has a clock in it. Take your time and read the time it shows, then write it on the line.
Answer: 1:45
